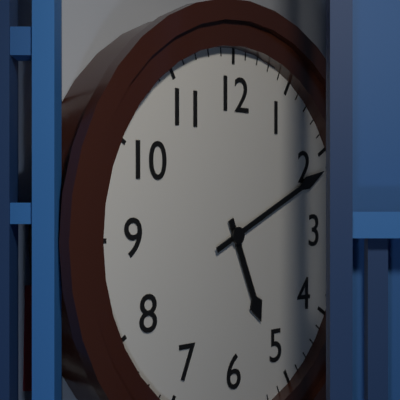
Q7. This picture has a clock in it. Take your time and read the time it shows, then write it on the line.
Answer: 5:11
